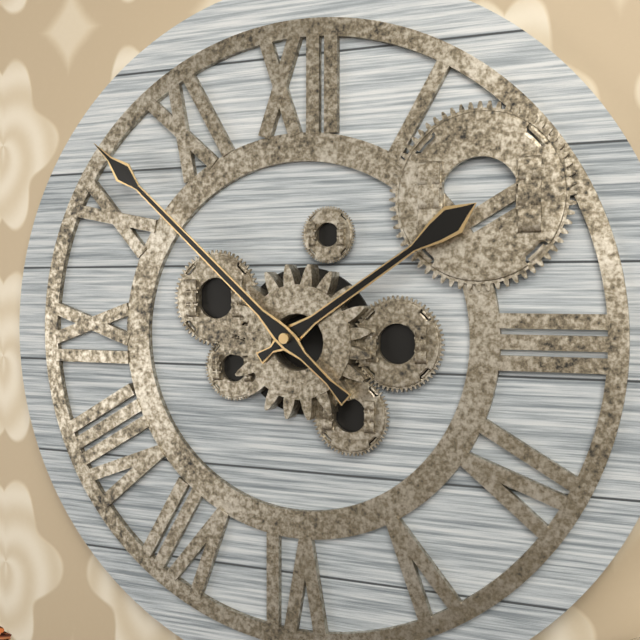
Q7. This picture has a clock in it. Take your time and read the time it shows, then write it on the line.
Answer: 1:52
